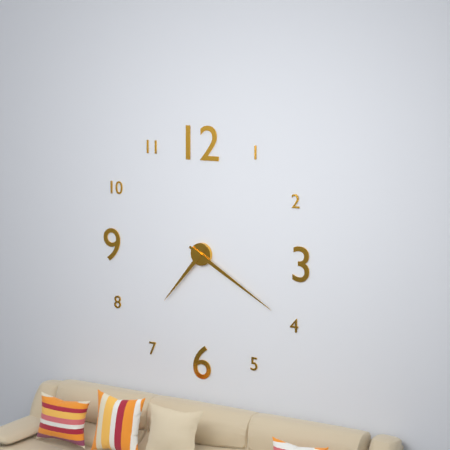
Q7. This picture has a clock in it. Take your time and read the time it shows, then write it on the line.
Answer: 7:20
